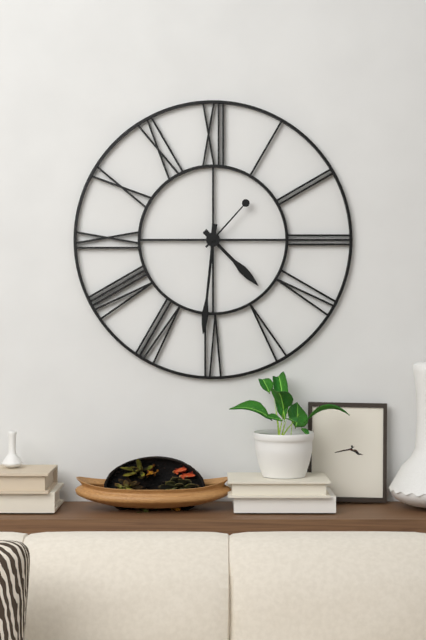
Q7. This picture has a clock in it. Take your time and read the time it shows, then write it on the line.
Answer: 4:31:07
